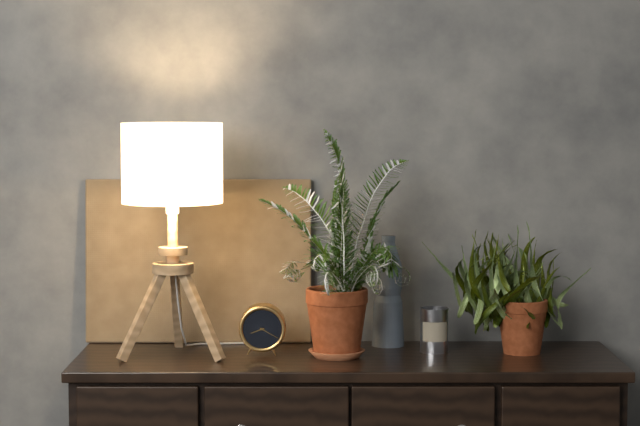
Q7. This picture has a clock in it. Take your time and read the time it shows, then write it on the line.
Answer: 8:20
